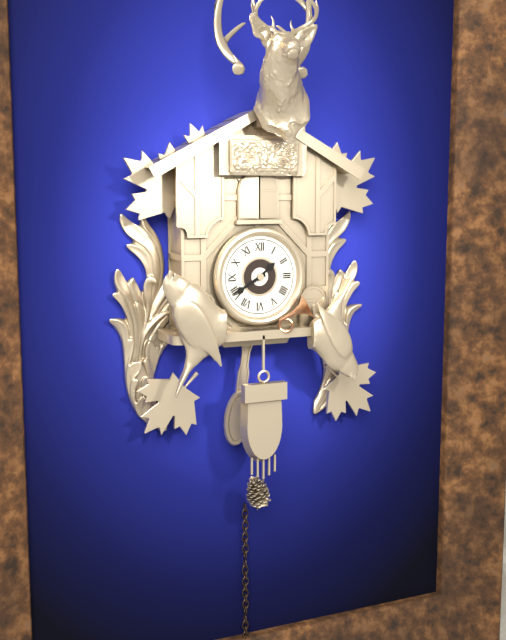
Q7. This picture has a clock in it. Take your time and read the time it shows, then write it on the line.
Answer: 1:40
